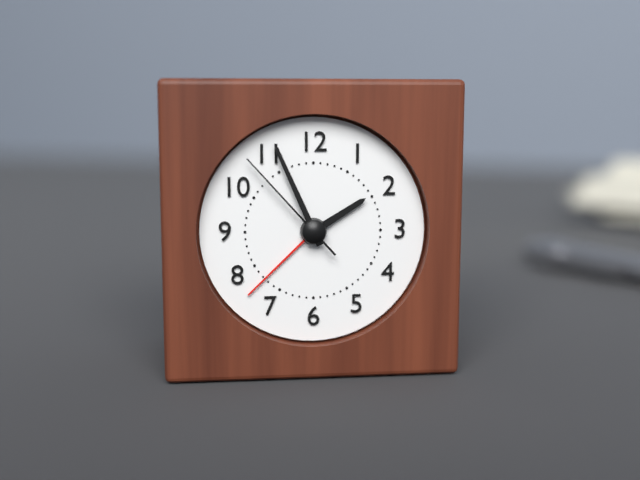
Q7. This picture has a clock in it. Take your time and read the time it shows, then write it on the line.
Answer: 1:56:53
